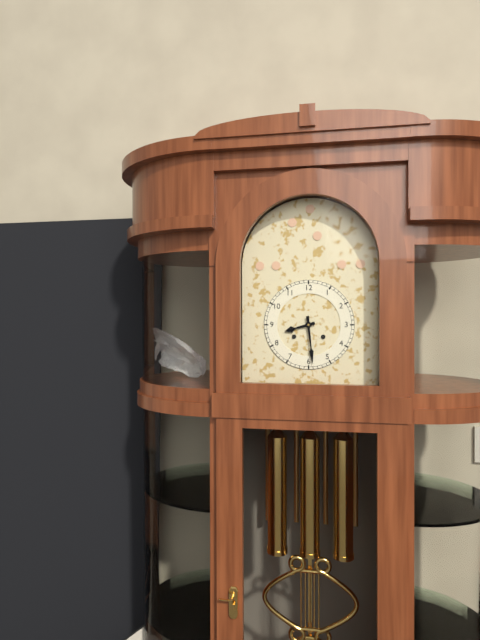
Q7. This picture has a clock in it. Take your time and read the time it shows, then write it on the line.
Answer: 8:29
